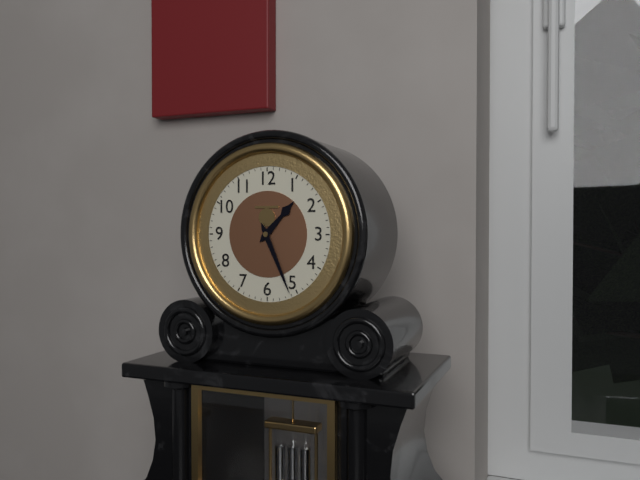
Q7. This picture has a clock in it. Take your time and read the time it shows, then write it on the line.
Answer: 1:26
